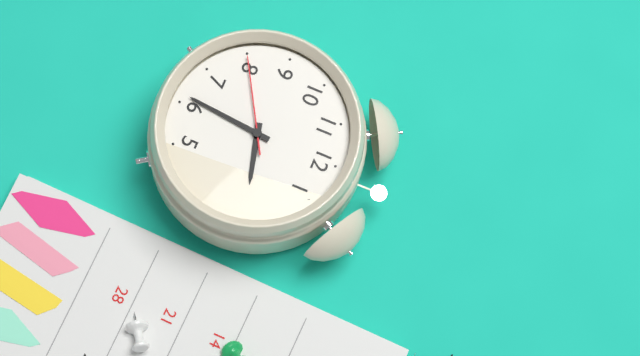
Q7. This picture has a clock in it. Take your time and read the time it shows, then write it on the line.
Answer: 2:31:40
